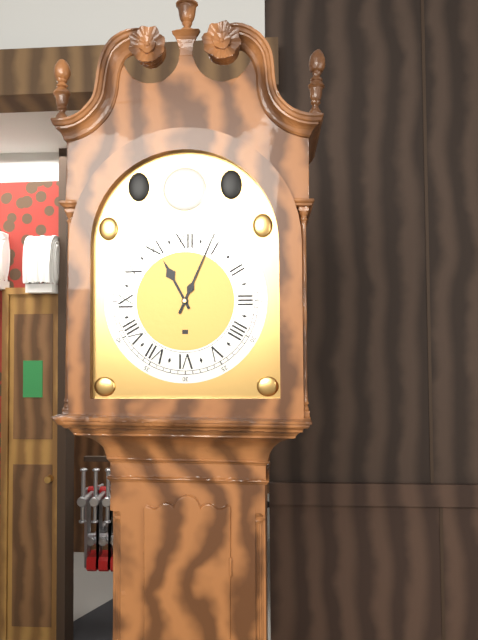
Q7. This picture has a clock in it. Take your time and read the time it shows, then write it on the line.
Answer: 11:04
